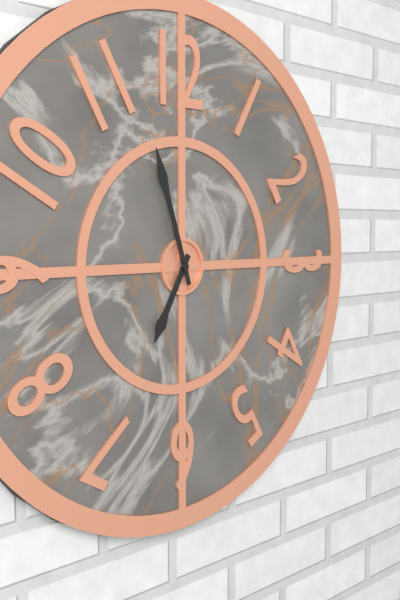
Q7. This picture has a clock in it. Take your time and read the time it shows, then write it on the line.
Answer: 6:57
